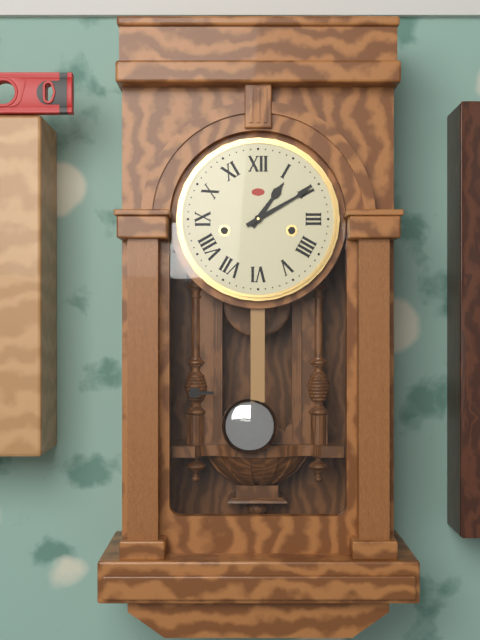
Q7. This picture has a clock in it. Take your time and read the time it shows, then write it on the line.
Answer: 1:10
